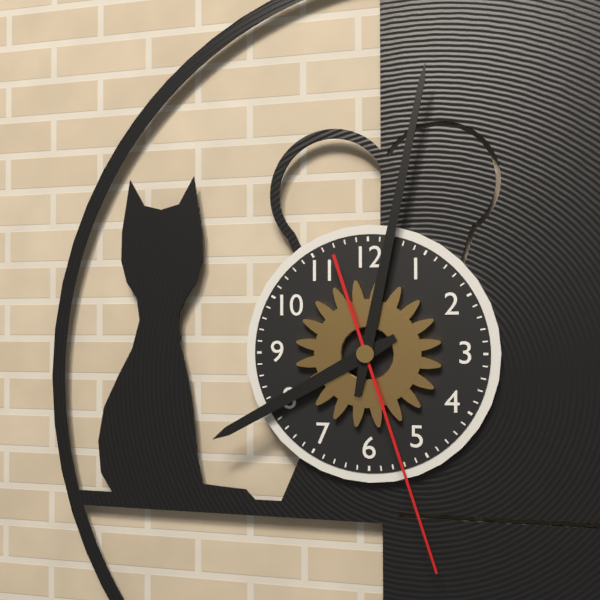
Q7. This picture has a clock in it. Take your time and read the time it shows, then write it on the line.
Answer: 8:02:27
